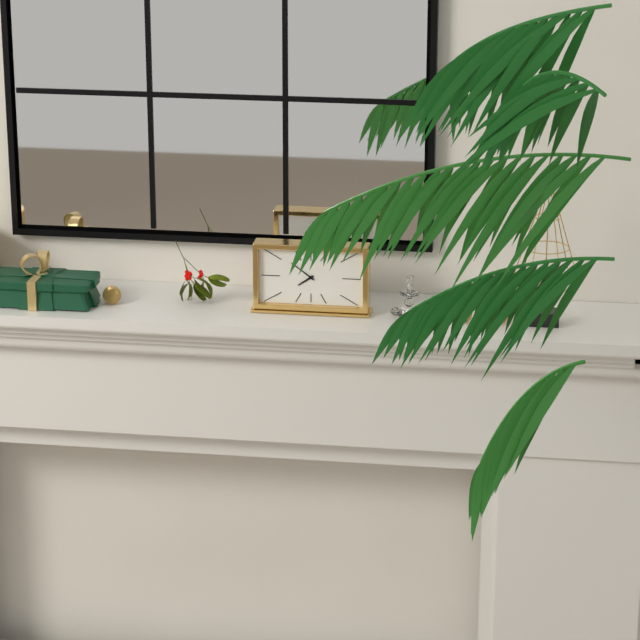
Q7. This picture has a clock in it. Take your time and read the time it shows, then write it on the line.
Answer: 7:51
